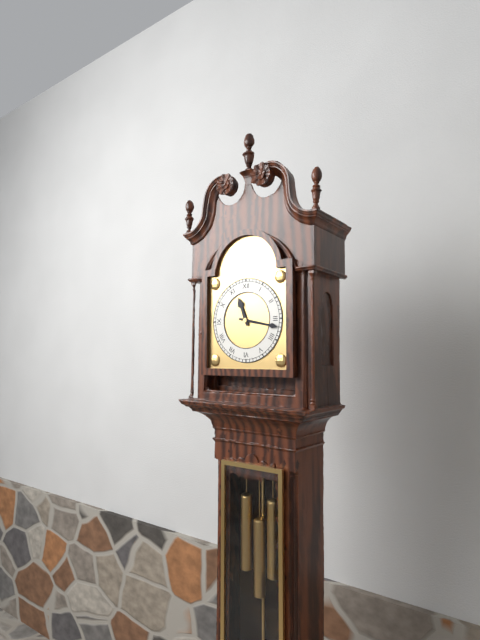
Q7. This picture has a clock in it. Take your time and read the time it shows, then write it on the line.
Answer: 11:17
